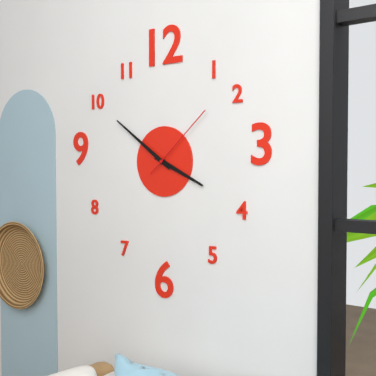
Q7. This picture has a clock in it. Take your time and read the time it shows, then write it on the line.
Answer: 3:51:08
